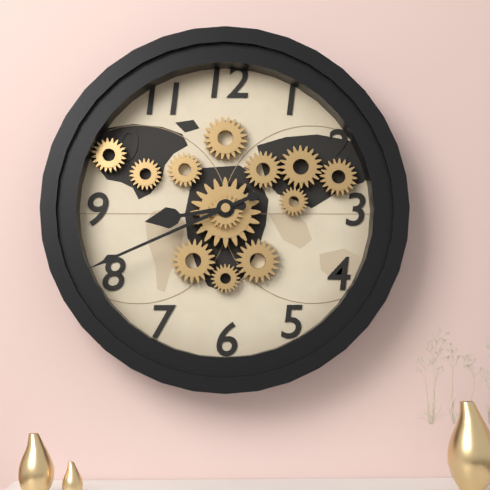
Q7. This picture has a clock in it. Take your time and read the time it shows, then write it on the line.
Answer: 8:41
